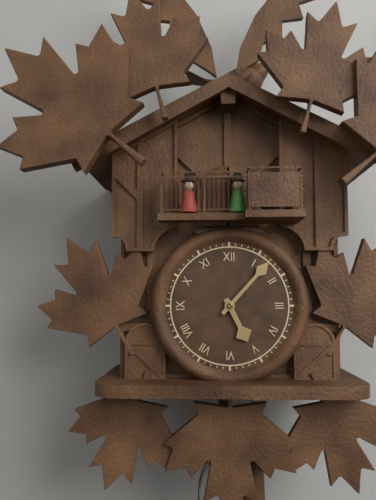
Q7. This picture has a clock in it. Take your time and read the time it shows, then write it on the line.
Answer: 5:07
